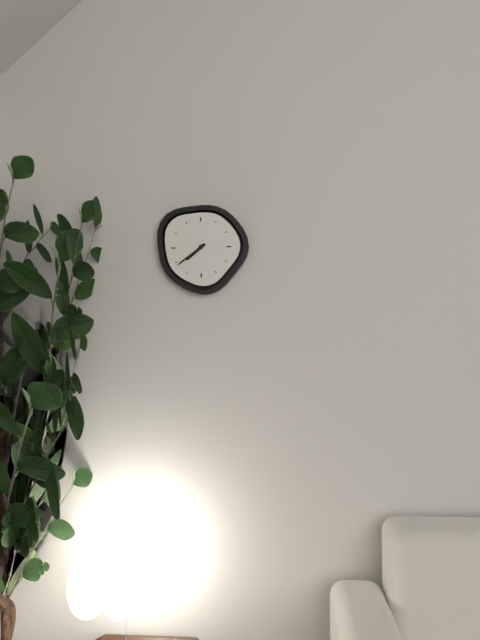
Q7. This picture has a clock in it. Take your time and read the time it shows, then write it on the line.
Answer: 7:39
